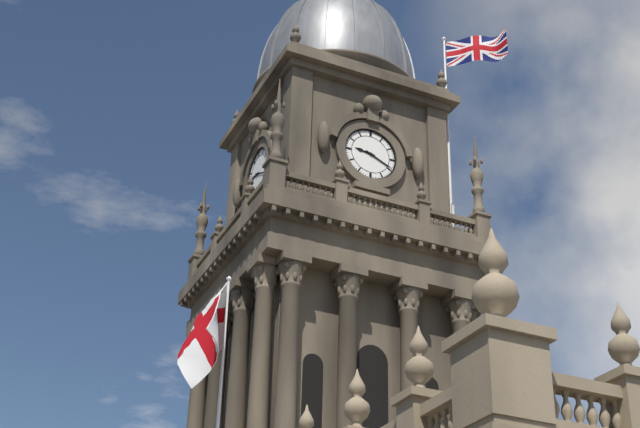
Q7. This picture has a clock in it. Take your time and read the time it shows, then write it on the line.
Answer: 9:19
